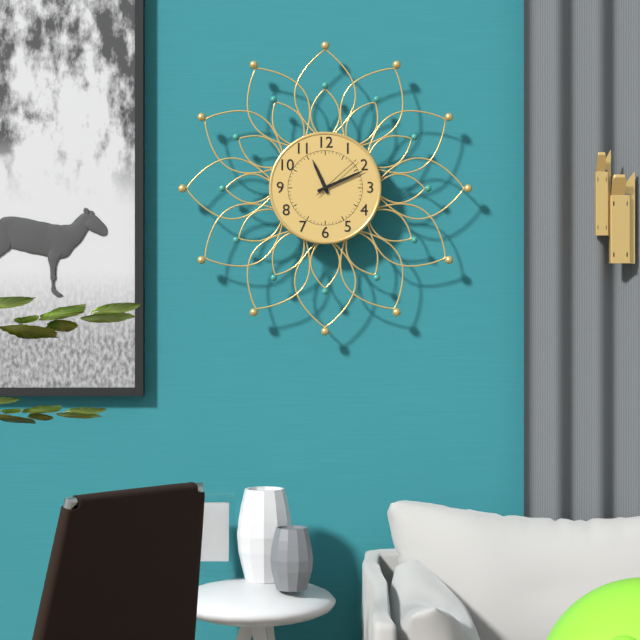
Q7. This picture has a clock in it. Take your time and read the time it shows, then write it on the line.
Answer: 11:11:08
